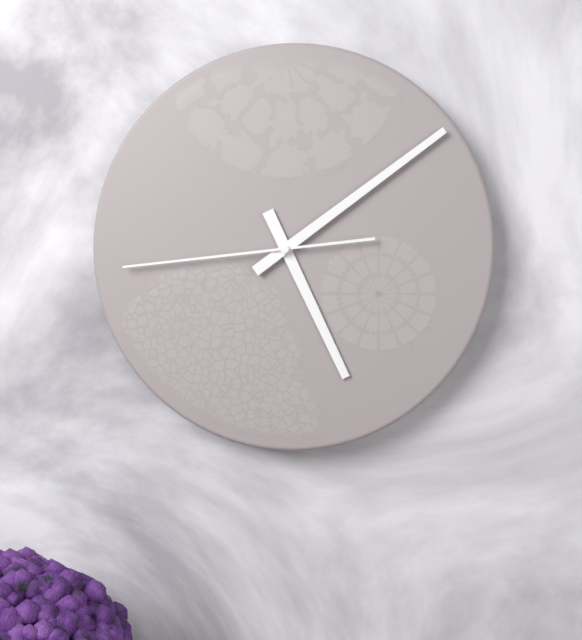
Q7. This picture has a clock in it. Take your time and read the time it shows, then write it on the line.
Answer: 5:09:44
